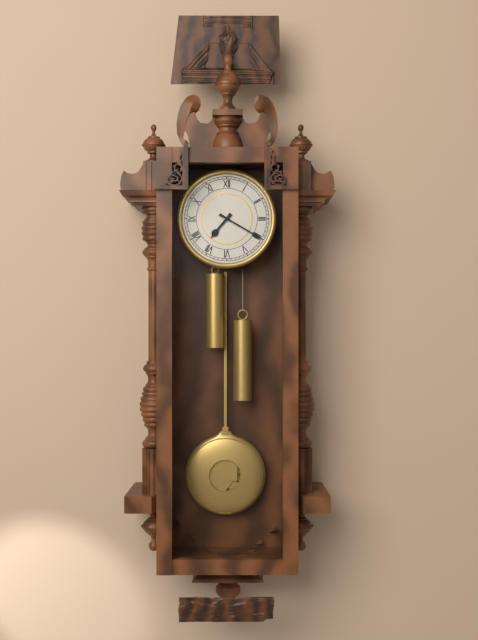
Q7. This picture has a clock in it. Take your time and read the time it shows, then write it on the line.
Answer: 7:20
